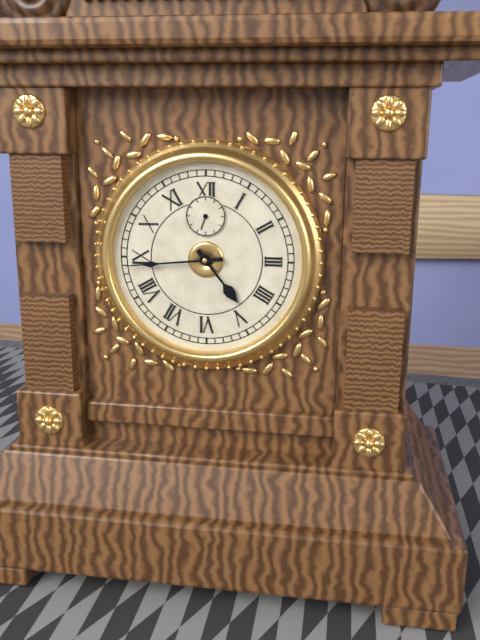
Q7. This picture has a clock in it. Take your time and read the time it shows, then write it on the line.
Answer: 4:44
